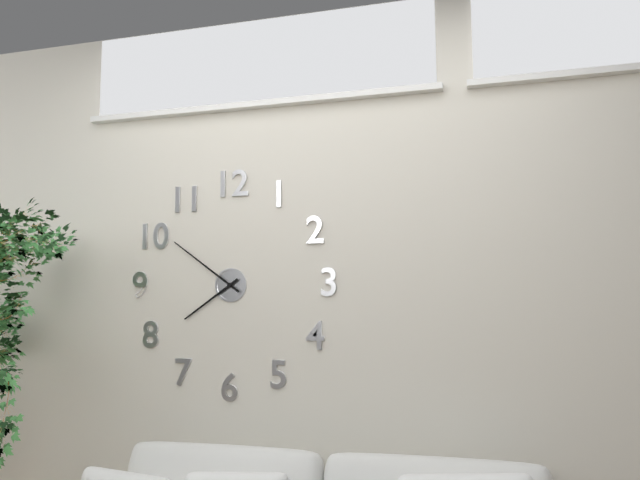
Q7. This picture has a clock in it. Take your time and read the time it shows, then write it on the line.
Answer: 7:51
